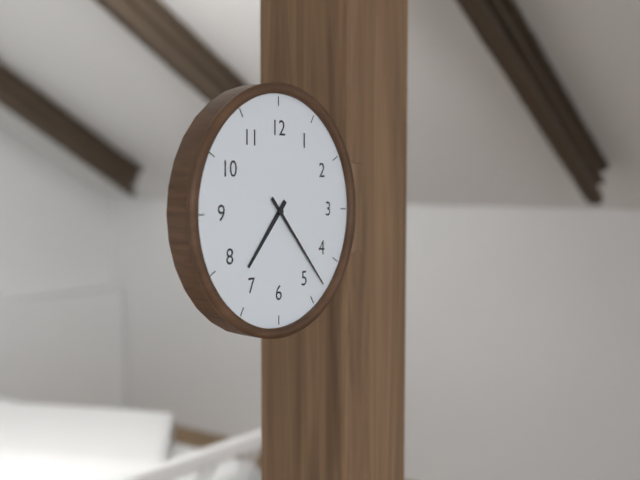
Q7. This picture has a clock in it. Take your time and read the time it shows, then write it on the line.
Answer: 7:23
